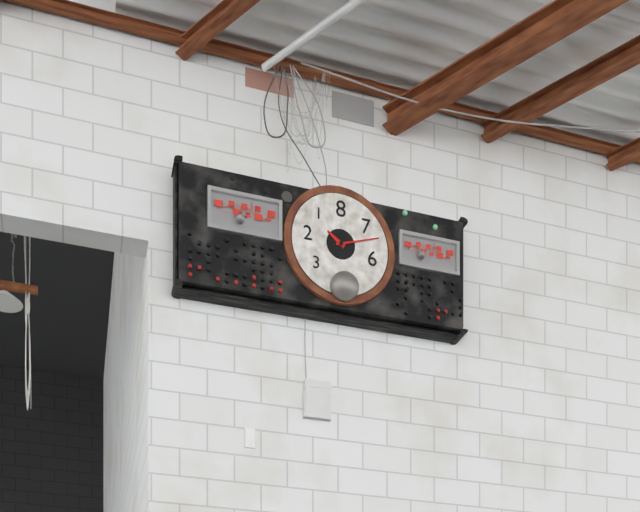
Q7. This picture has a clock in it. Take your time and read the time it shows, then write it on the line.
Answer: 10:12
